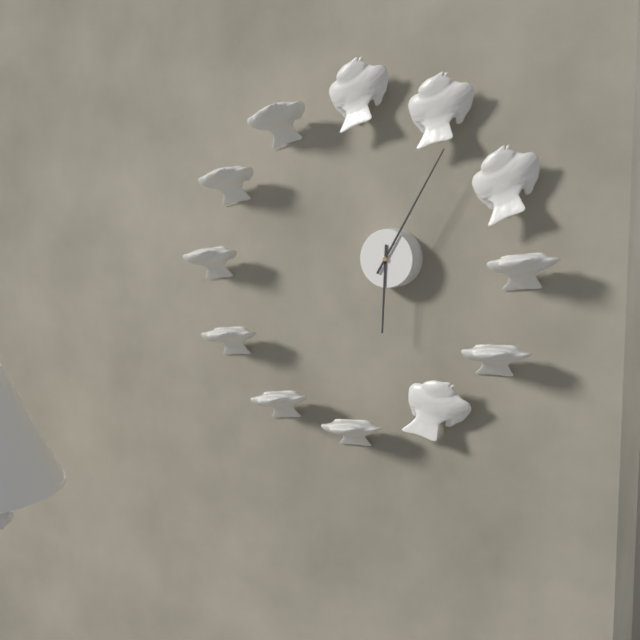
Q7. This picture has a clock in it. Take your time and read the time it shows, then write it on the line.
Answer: 6:05
